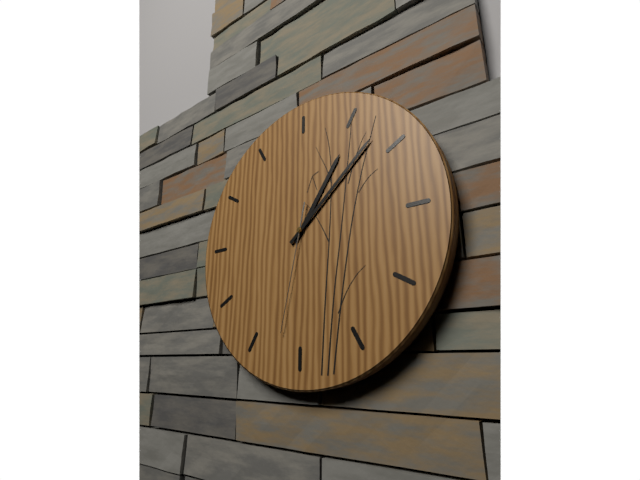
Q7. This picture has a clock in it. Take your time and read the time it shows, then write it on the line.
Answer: 1:08:32
